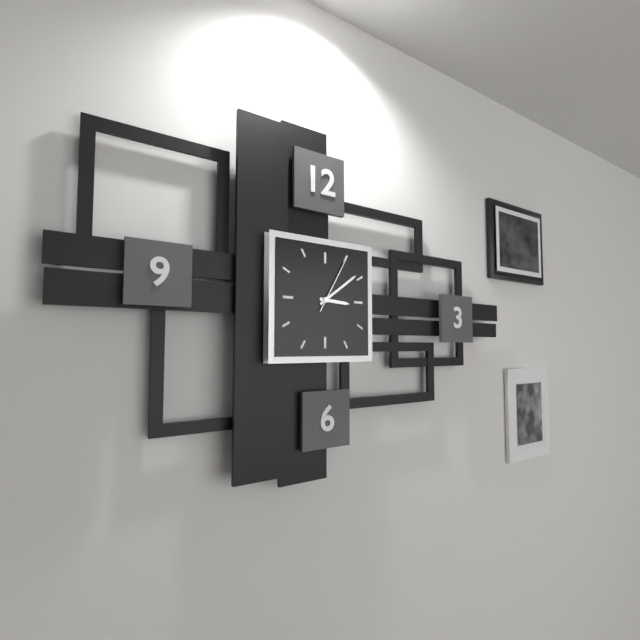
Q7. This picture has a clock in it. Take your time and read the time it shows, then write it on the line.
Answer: 3:09:05
